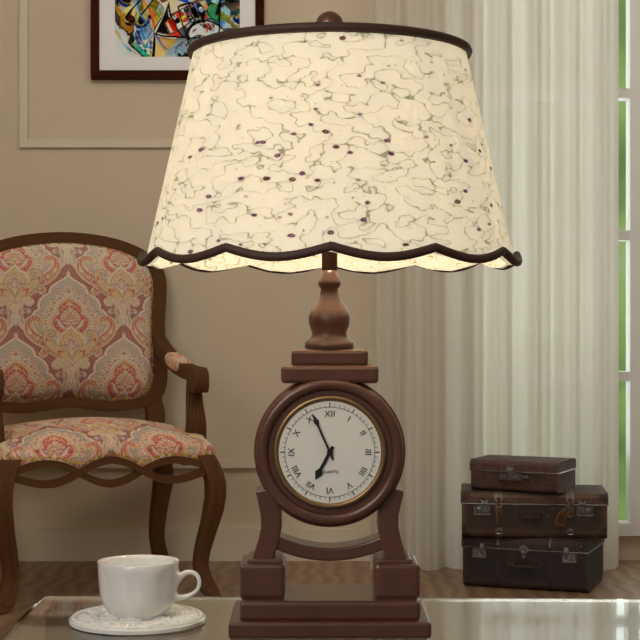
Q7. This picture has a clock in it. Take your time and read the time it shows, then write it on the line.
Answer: 6:56
